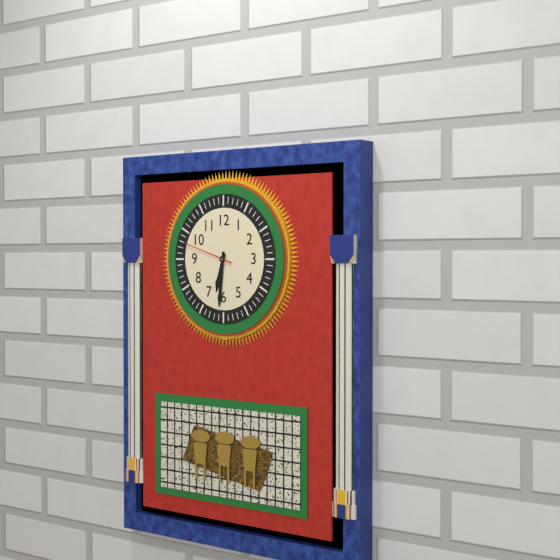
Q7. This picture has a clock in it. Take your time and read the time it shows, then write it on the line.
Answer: 6:31
